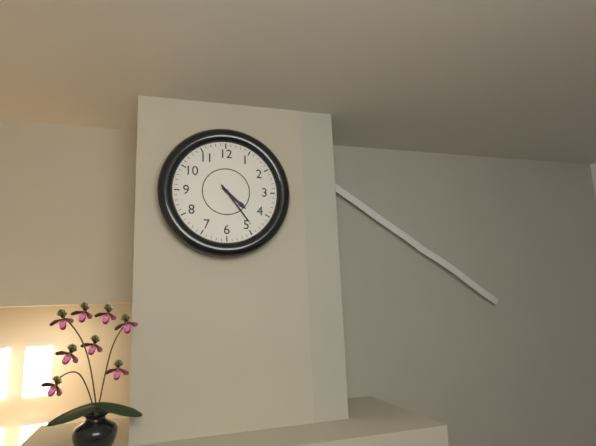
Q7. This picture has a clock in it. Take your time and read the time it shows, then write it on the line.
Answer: 4:24
